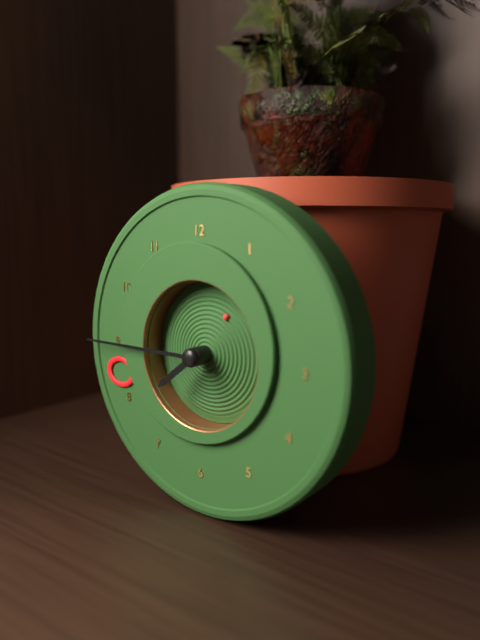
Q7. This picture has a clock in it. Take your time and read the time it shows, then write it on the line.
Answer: 7:45
